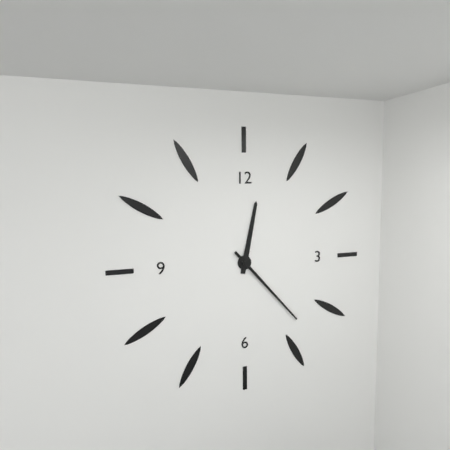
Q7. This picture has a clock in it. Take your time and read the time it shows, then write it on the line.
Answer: 12:23
